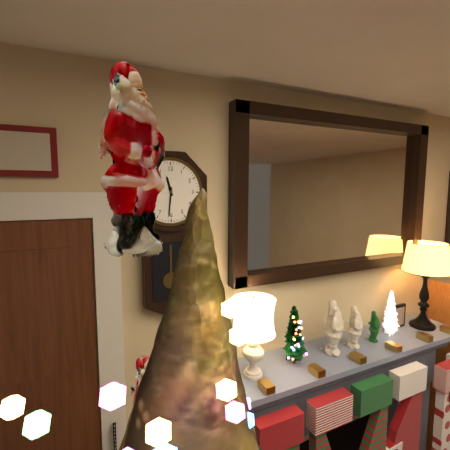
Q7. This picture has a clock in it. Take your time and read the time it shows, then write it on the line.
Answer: 11:31
